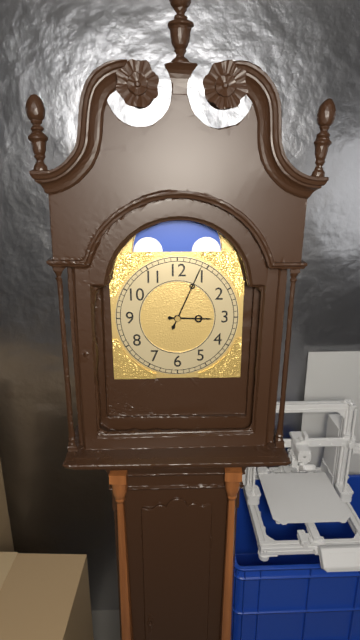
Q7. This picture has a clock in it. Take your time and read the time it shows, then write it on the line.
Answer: 3:04
